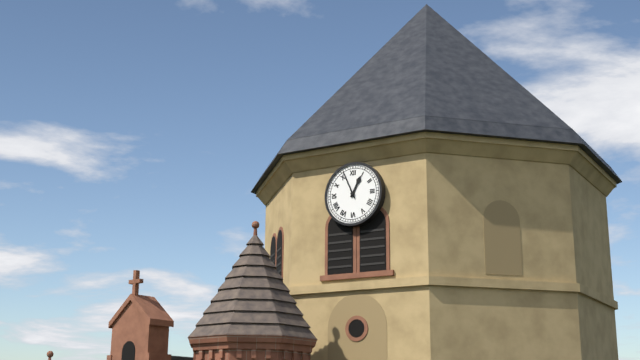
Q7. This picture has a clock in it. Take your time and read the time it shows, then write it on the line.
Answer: 12:56
